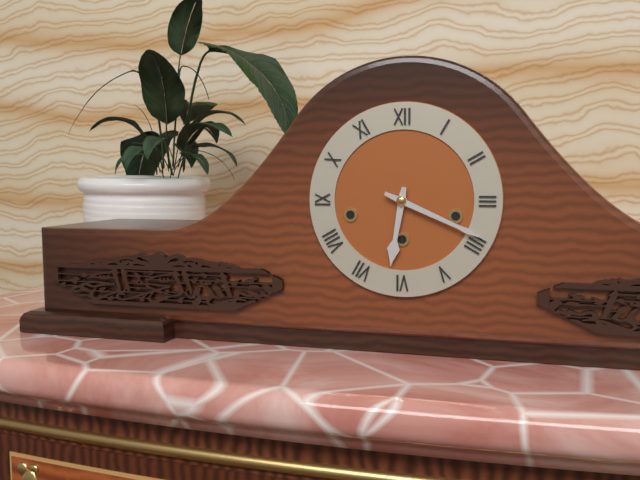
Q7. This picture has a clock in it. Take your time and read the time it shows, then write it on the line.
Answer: 6:19
